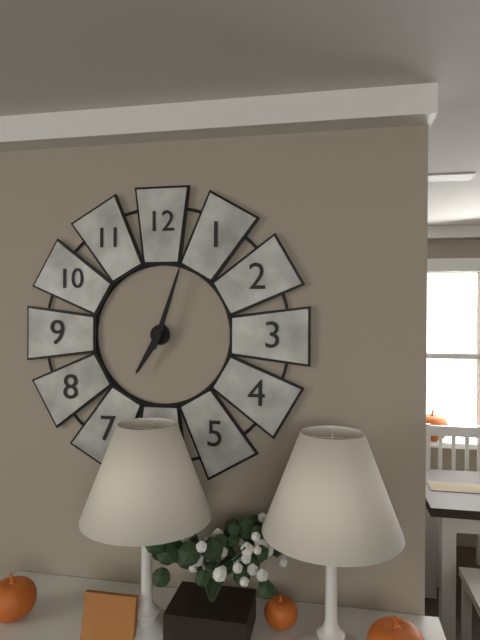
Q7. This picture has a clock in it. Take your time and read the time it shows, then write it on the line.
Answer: 7:03
